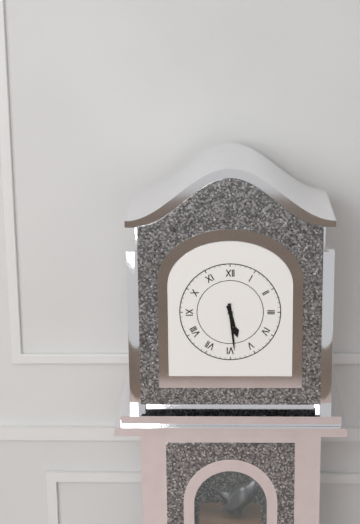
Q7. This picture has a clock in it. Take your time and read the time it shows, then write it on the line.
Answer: 5:29
